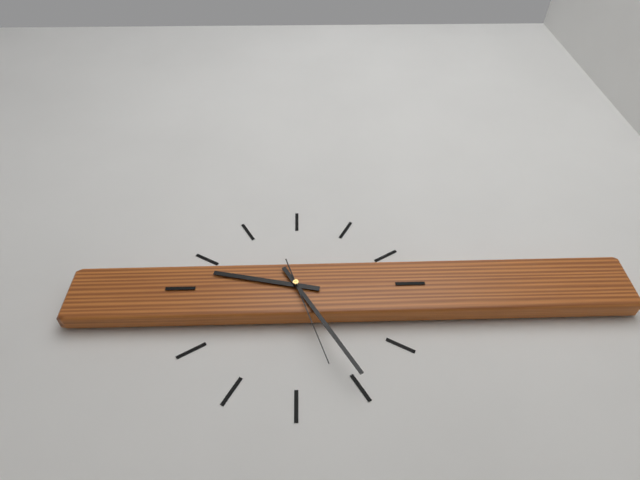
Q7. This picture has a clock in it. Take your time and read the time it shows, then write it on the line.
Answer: 9:25:27
